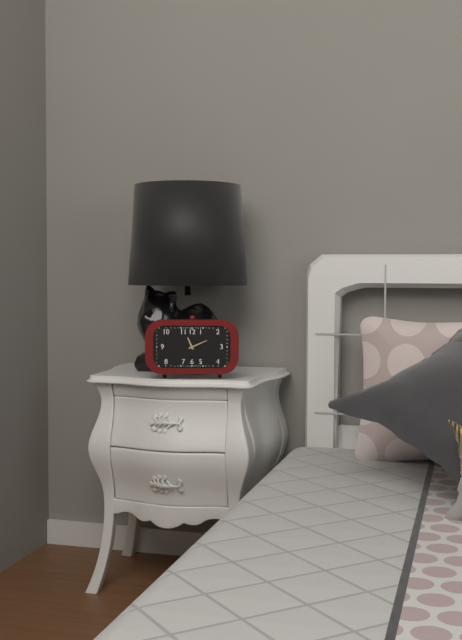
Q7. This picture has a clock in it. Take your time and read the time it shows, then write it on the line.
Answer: 11:11
